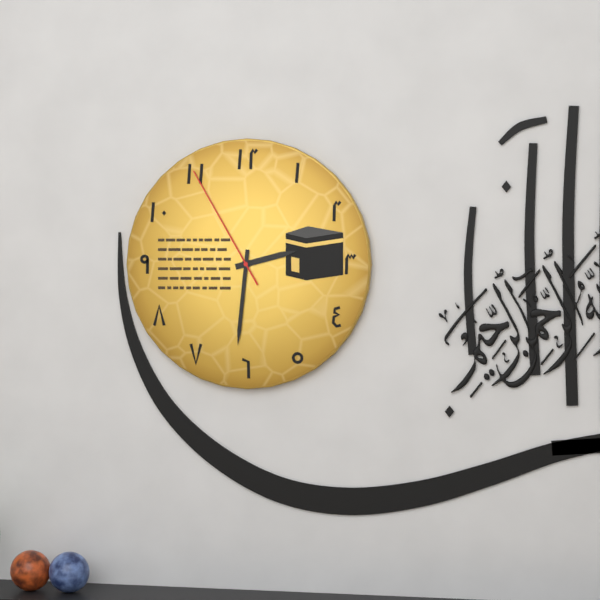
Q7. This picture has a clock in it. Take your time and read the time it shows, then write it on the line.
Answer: 2:31:55
